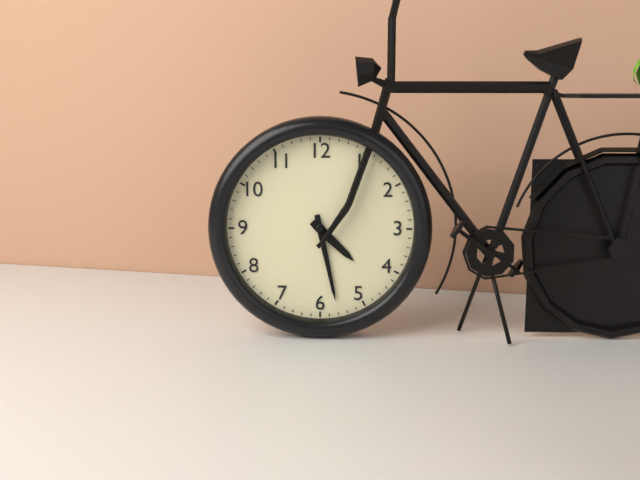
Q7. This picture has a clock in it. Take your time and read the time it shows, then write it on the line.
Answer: 4:28
